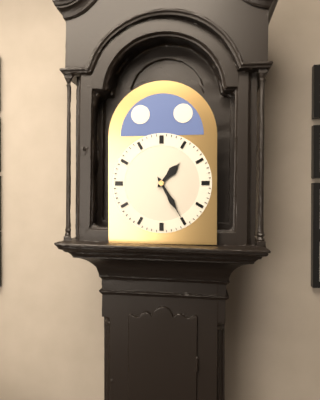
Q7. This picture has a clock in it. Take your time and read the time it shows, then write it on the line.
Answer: 1:25
